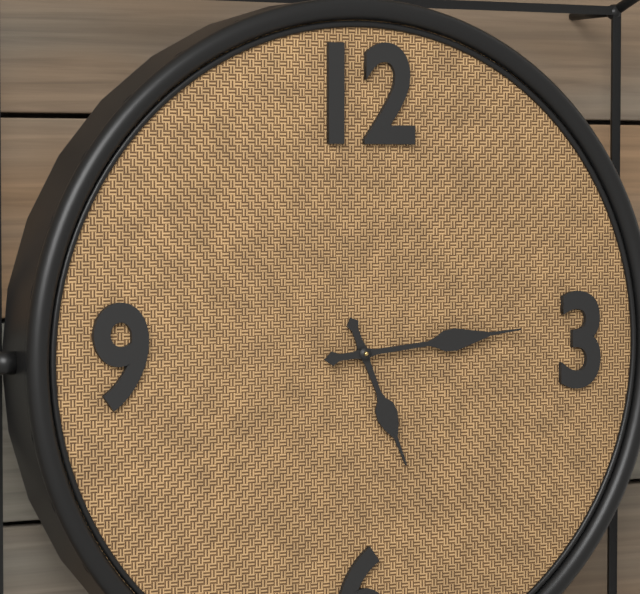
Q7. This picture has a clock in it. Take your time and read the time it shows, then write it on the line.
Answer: 5:14
